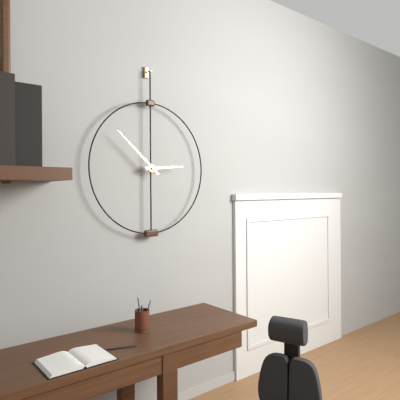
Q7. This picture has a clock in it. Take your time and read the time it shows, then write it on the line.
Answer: 2:52
